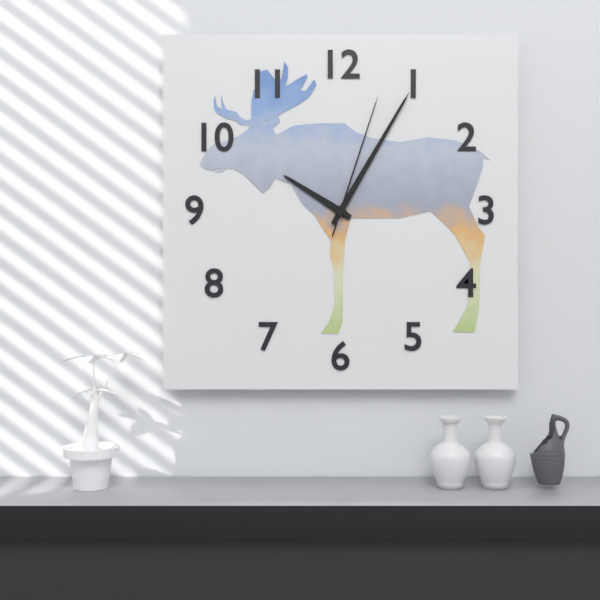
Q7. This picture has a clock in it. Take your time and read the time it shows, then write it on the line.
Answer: 10:05:03
